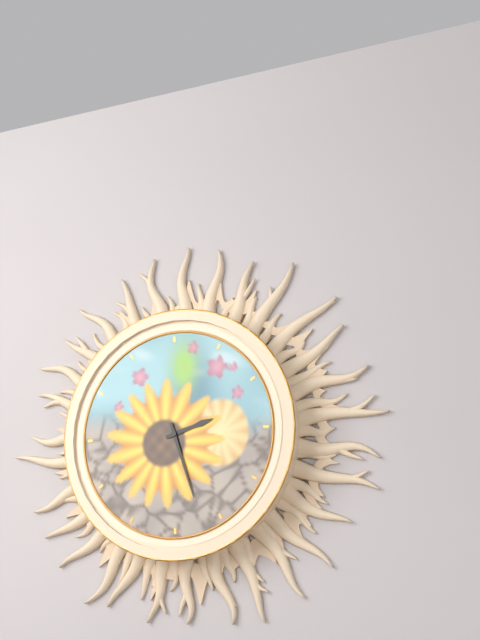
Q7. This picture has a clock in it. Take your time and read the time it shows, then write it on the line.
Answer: 2:27
